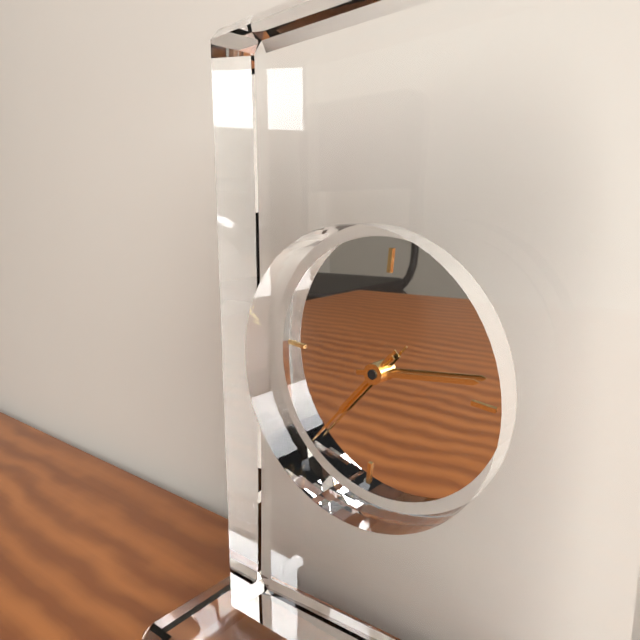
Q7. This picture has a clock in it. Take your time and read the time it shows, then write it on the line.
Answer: 7:13:36
